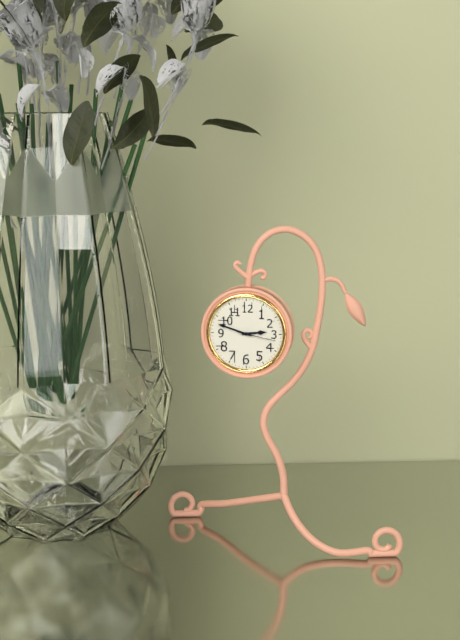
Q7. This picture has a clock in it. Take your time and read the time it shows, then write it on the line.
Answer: 2:48
